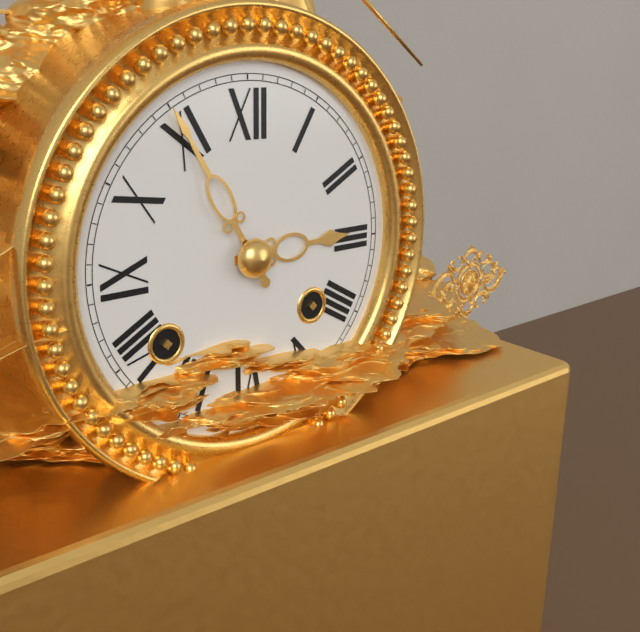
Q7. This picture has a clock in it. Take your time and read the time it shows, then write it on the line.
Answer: 2:55
